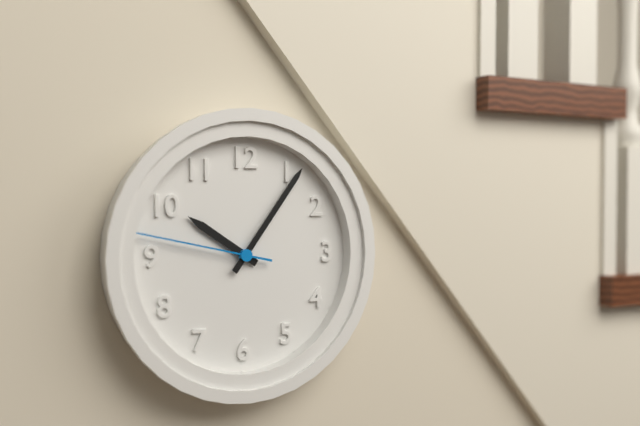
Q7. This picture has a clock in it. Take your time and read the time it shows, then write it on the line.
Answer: 10:06:47
